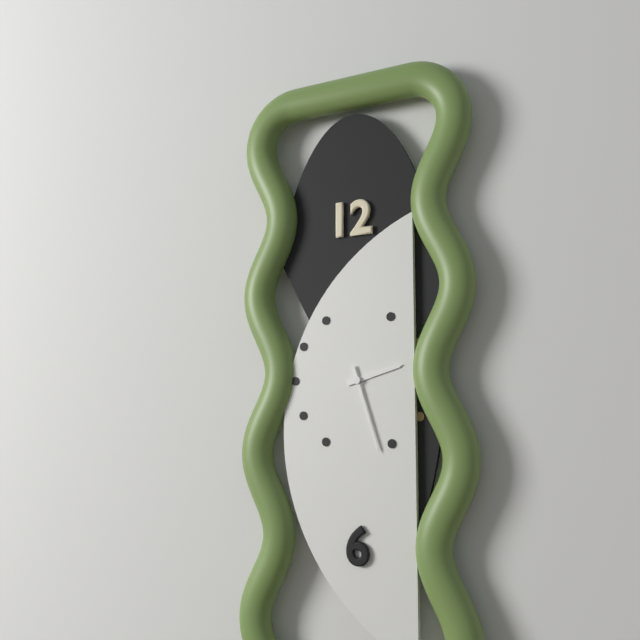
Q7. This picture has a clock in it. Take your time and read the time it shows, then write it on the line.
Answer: 2:27
